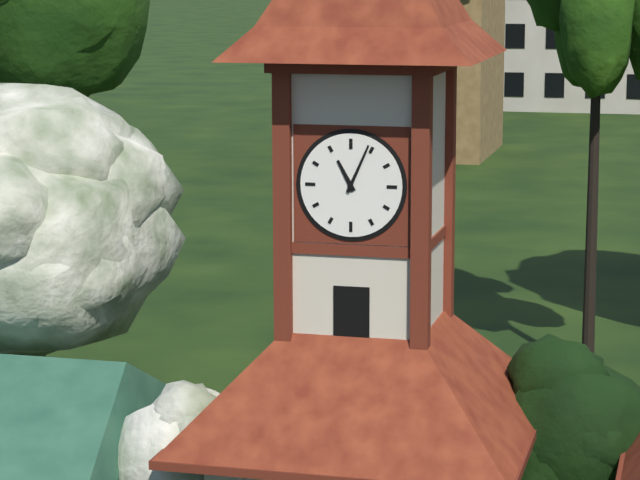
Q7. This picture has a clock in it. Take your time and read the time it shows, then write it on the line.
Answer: 11:04
